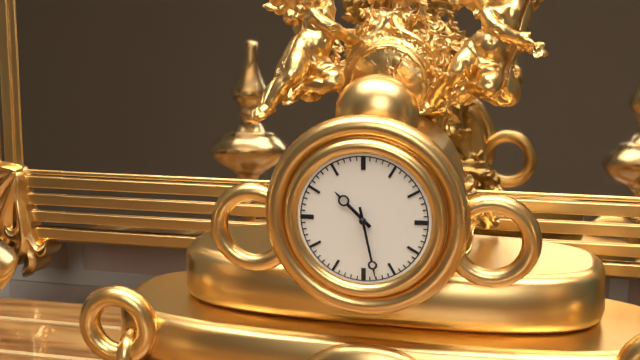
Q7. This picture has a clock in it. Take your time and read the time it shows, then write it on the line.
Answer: 10:28
